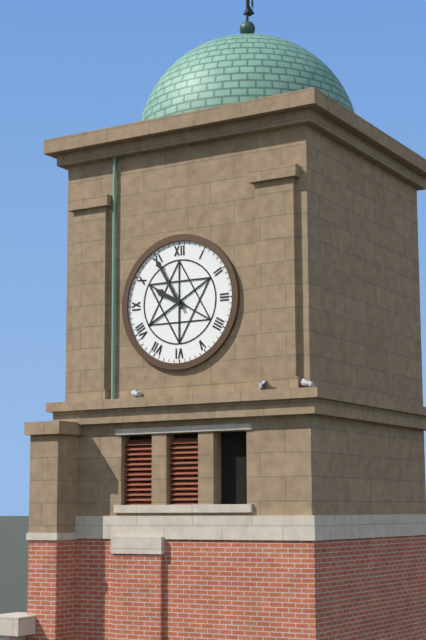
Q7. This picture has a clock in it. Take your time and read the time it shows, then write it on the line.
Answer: 9:55
